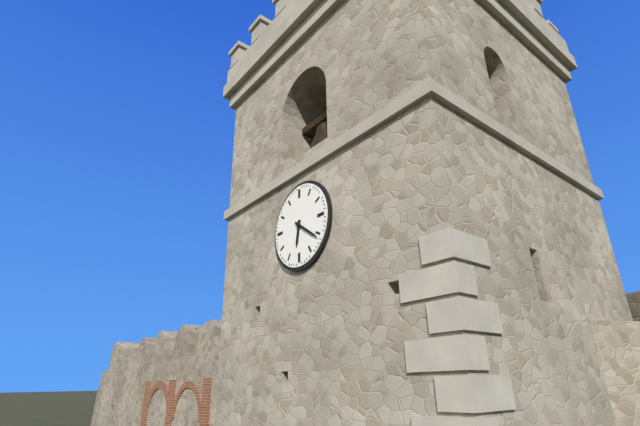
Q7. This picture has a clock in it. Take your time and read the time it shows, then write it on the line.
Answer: 6:21
